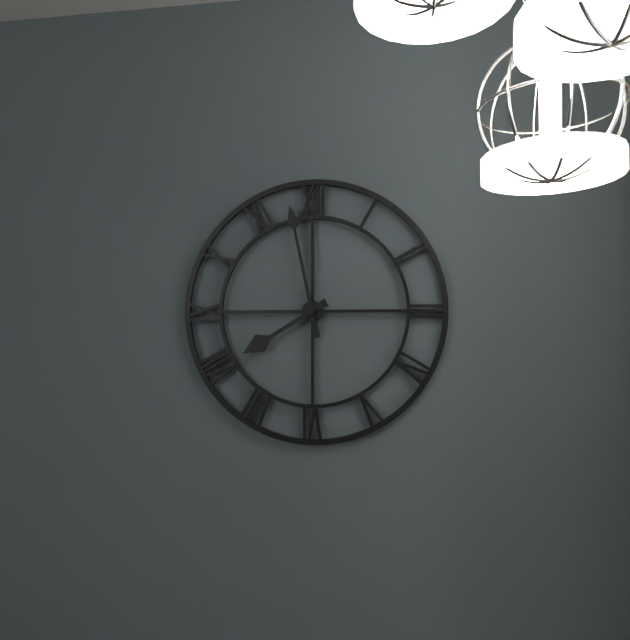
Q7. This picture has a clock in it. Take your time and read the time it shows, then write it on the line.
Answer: 7:58
